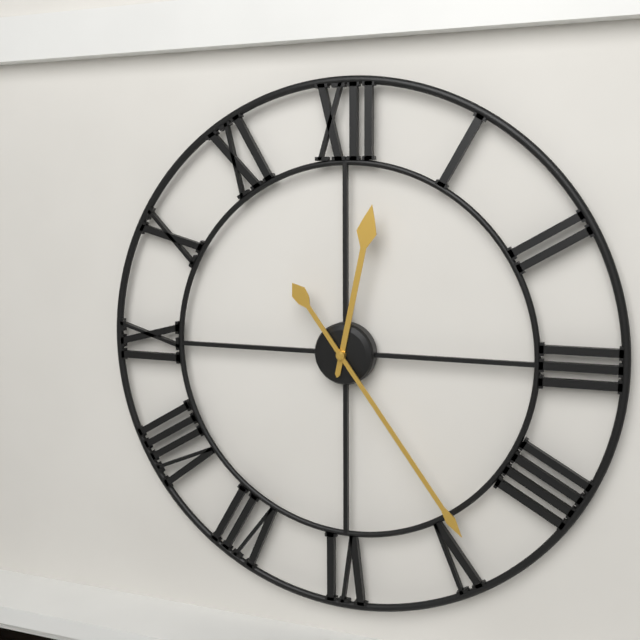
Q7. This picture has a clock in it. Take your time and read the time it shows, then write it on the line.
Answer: 12:24
